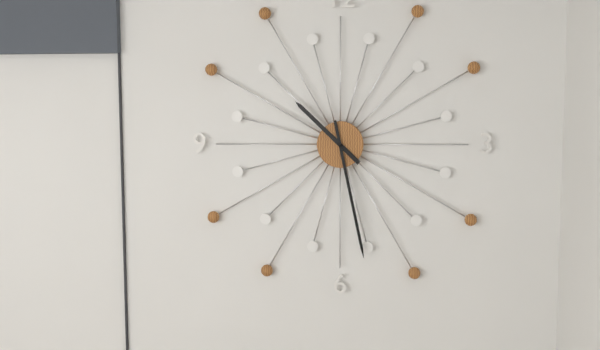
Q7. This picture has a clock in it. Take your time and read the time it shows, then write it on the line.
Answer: 10:28
